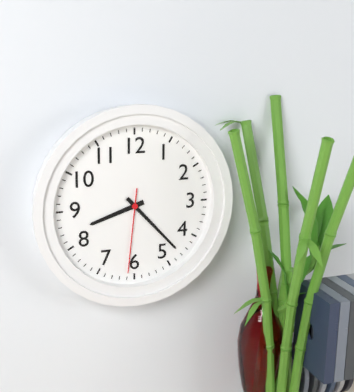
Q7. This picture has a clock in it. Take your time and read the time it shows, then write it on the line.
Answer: 8:23:31
